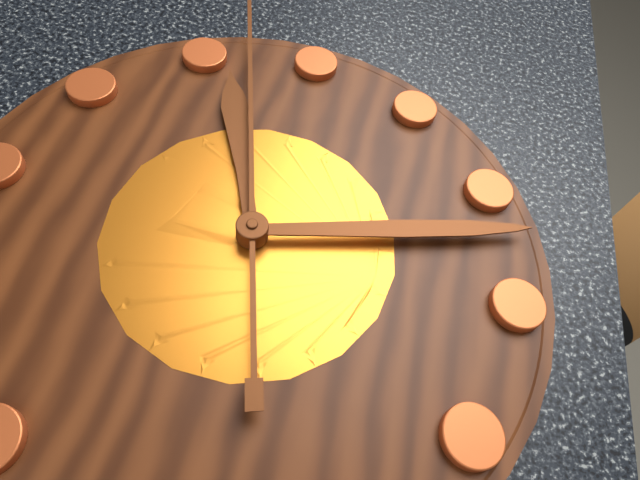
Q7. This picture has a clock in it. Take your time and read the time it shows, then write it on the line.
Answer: 11:12
